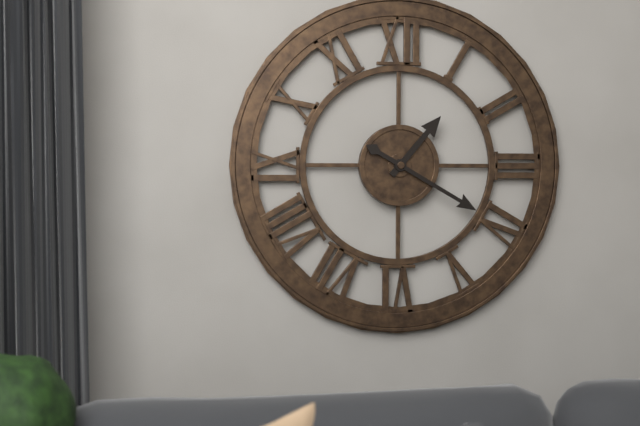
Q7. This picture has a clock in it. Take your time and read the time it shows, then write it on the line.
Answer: 1:20
